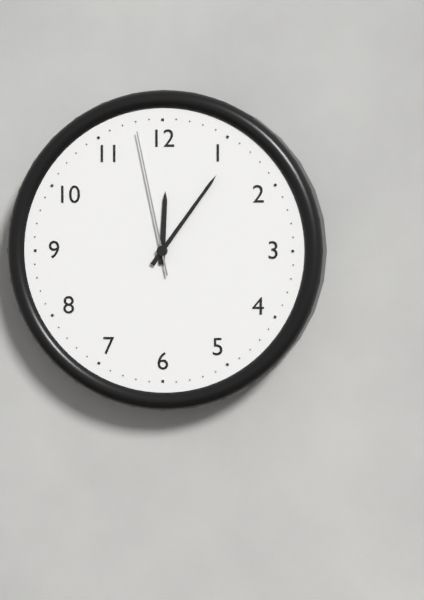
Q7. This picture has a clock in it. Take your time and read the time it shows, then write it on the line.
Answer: 12:06:58
